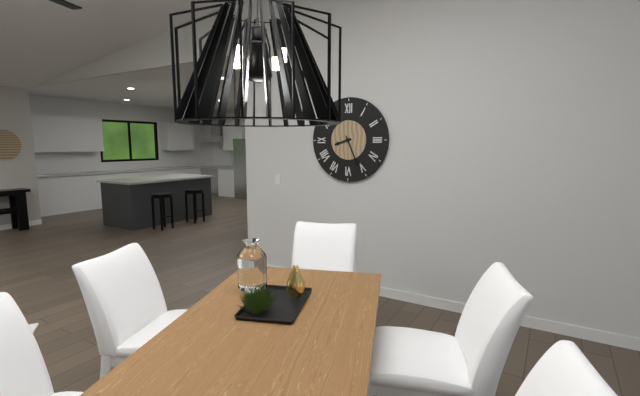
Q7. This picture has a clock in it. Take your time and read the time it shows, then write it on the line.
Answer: 8:26
